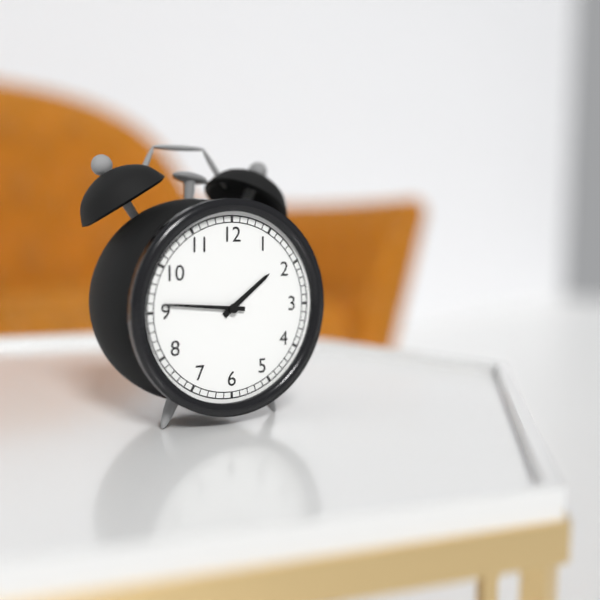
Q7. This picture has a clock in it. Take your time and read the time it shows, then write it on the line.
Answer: 1:46
